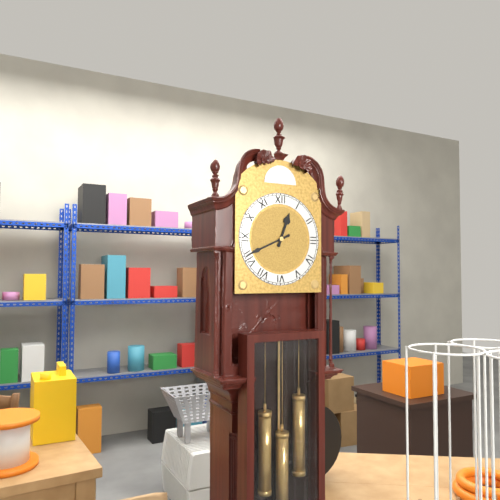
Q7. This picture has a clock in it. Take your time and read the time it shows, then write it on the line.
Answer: 12:41
